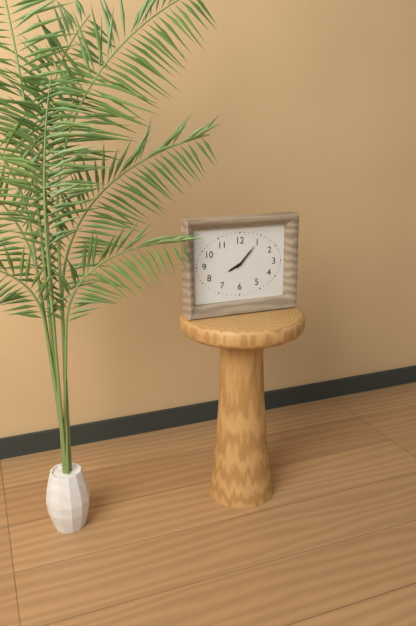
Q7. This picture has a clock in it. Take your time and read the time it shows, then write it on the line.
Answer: 8:07
